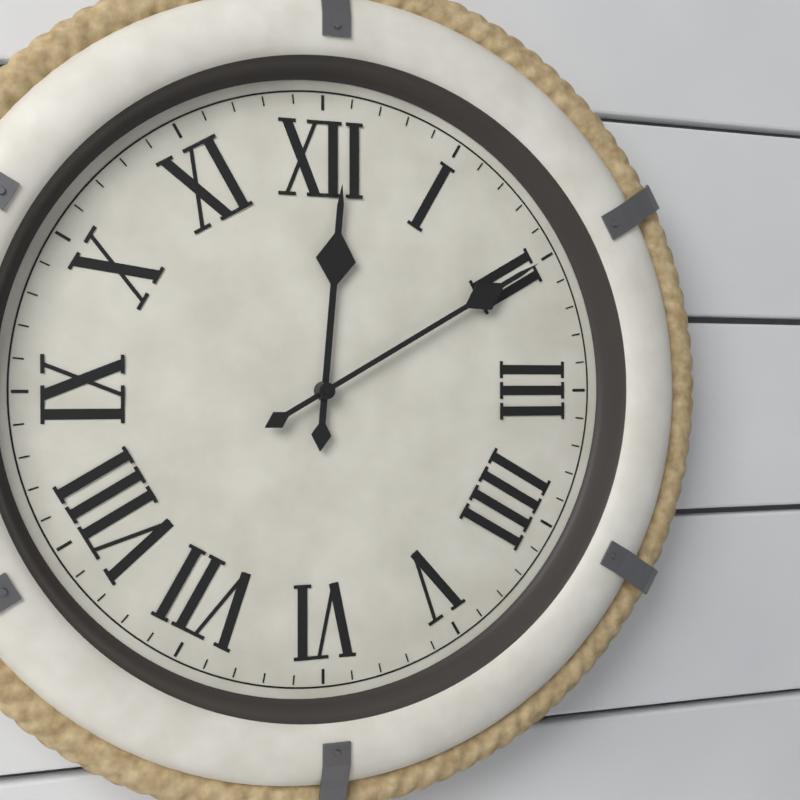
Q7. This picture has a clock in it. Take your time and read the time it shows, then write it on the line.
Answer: 12:10
